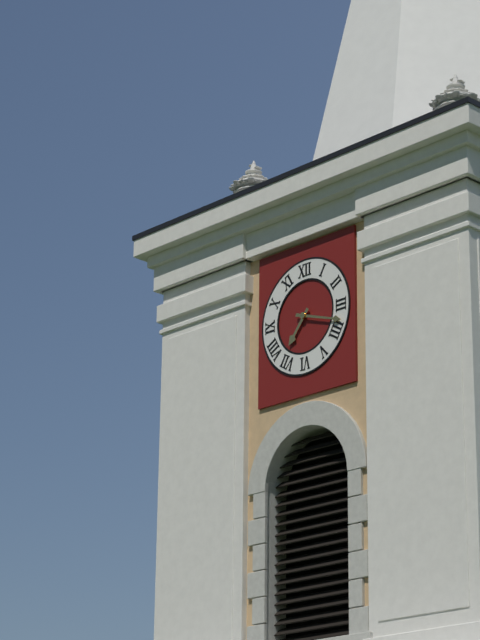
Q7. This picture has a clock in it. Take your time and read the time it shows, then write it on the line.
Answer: 7:18
